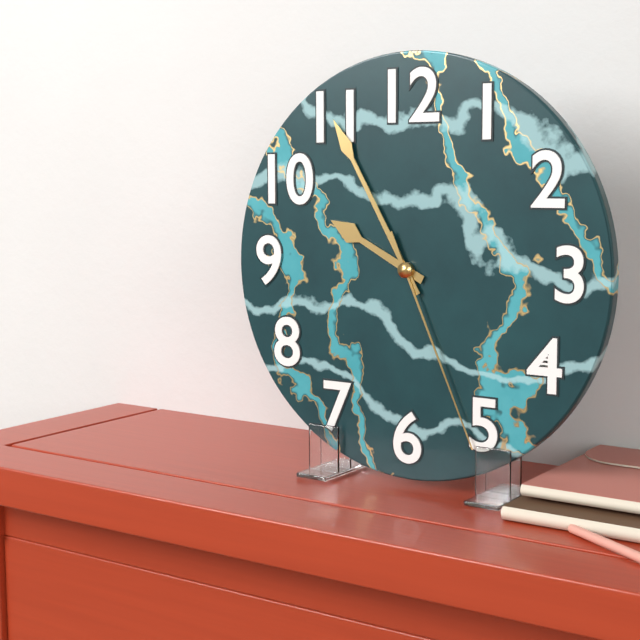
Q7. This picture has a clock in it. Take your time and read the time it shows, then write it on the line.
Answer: 9:55:26
